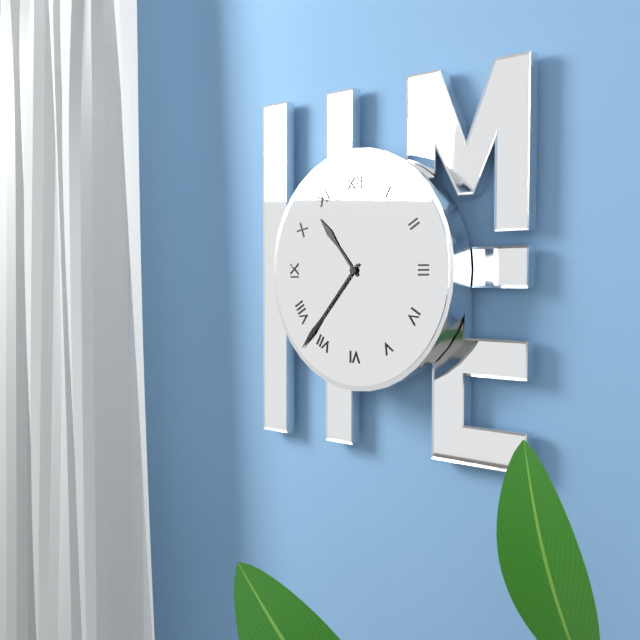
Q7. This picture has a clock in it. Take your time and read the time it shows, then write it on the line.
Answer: 10:37
